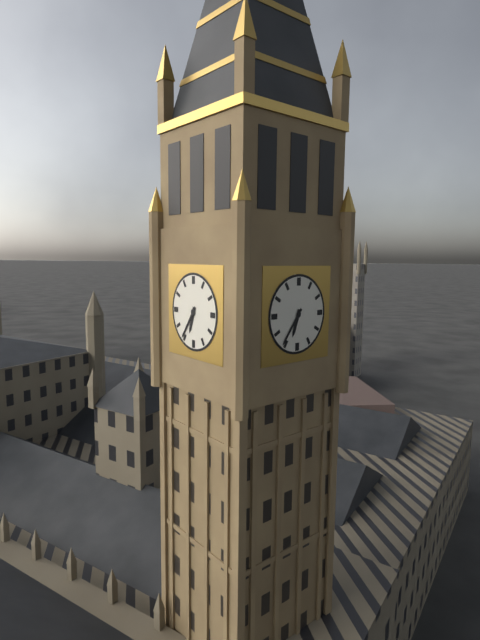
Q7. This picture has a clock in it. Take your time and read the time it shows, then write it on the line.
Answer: 6:36
